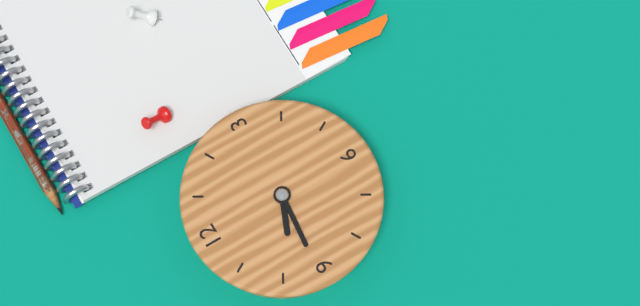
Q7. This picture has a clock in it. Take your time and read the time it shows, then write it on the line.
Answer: 9:46
